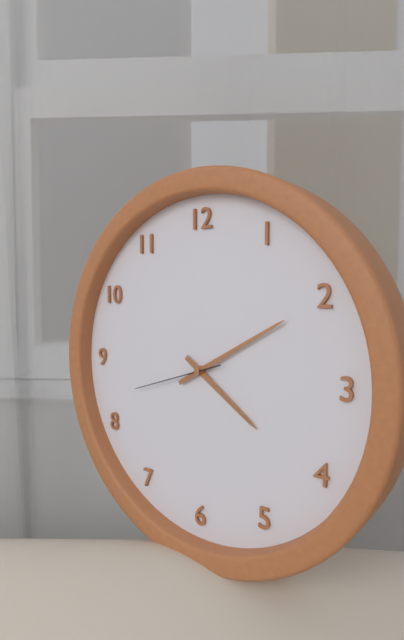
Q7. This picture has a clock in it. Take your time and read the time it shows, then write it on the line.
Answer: 4:10:42
